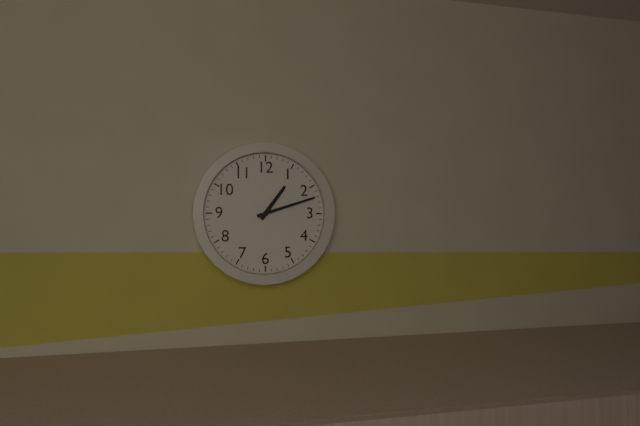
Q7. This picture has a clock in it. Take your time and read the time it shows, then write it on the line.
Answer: 1:12
